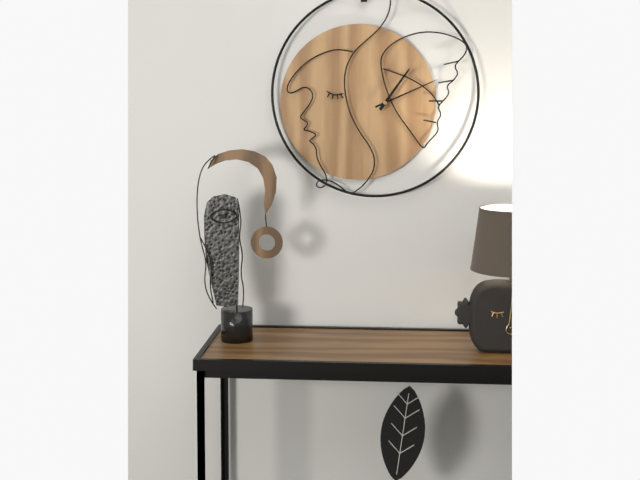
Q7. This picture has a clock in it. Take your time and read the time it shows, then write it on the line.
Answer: 1:11
